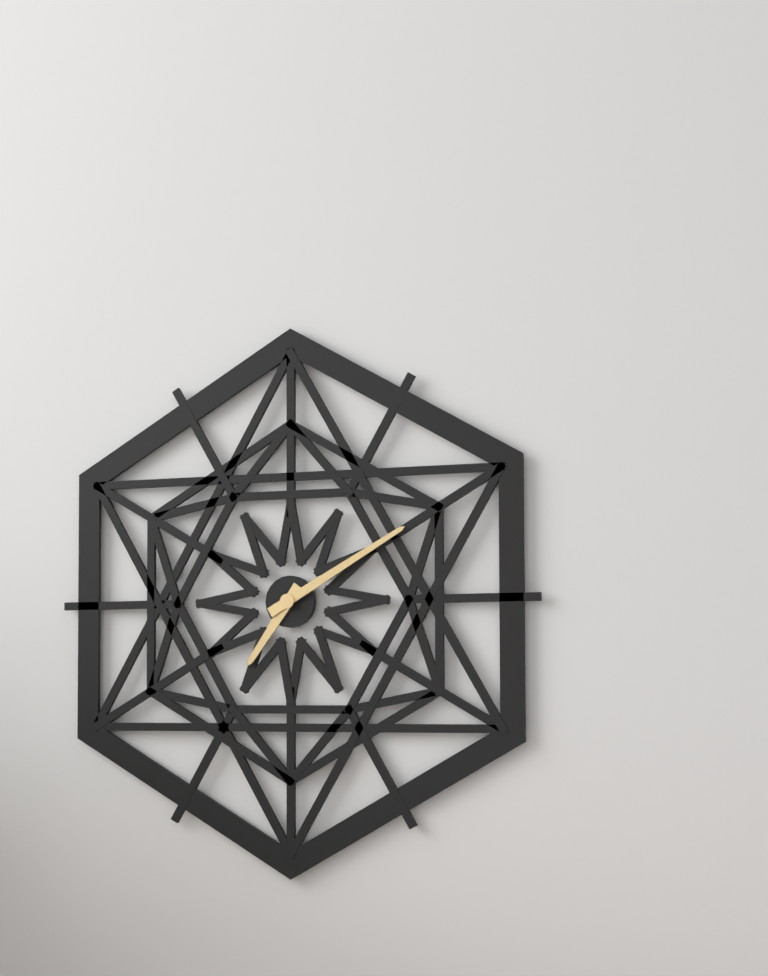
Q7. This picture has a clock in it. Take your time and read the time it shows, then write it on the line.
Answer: 7:10
